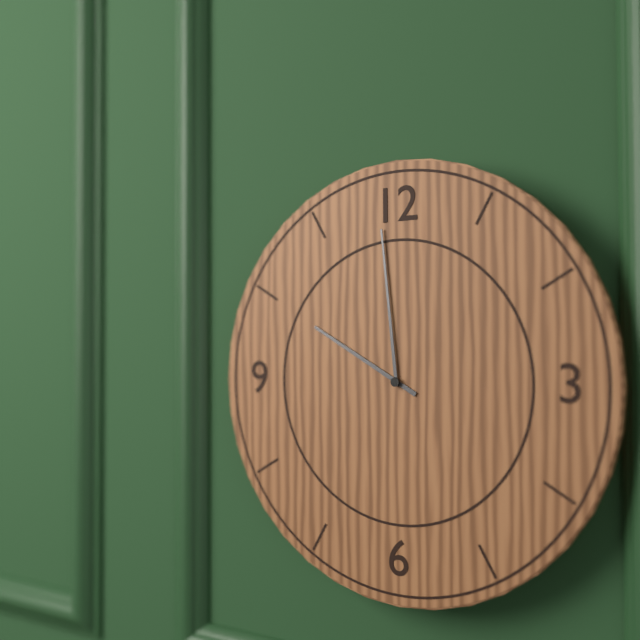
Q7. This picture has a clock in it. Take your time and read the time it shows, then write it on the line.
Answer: 9:59
